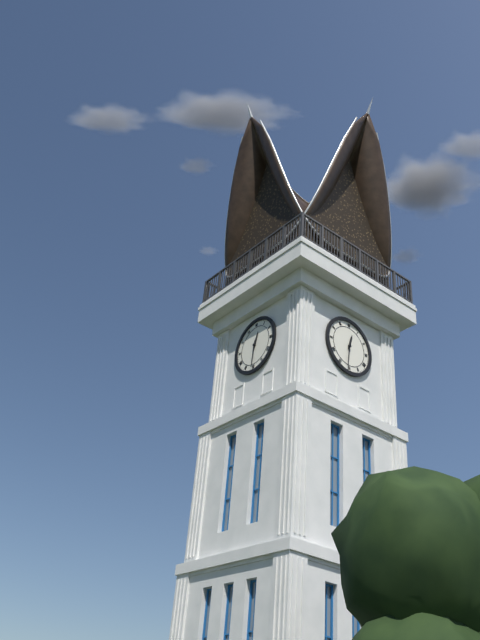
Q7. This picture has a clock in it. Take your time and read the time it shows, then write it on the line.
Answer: 12:31
